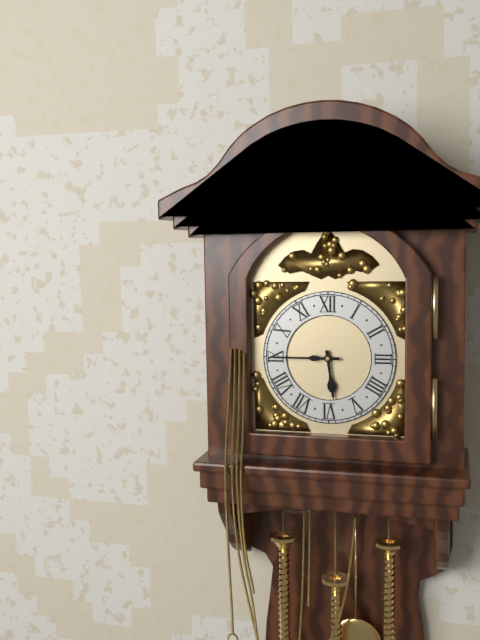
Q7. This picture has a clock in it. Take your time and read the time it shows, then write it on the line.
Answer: 5:45
